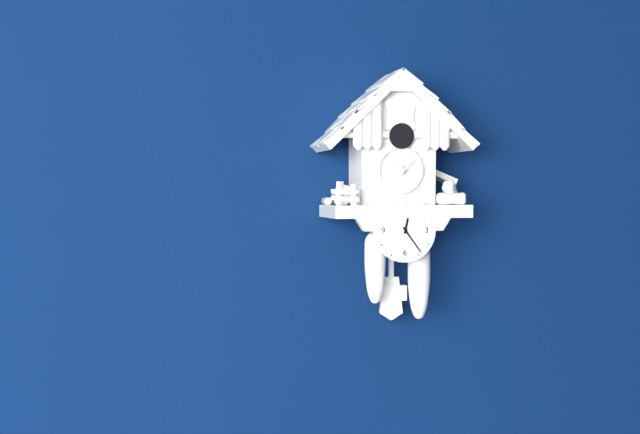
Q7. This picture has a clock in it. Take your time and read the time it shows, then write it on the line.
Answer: 12:24
